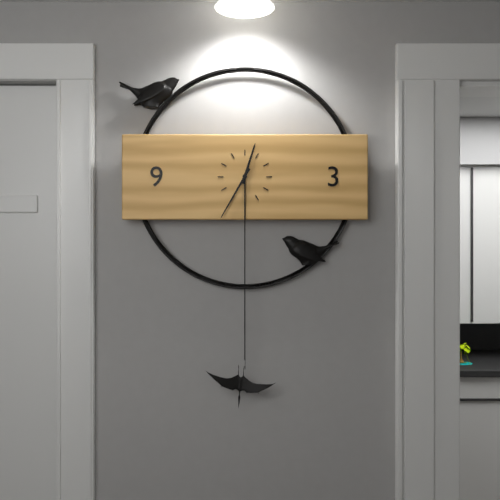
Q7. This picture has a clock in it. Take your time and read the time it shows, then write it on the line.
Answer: 12:35
